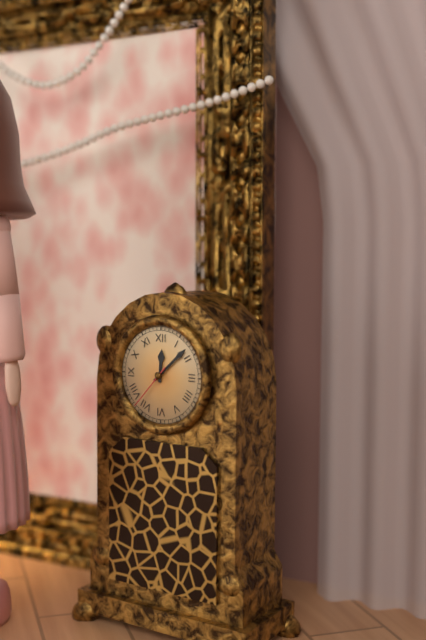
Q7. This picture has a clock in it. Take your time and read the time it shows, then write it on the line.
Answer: 12:08:37
